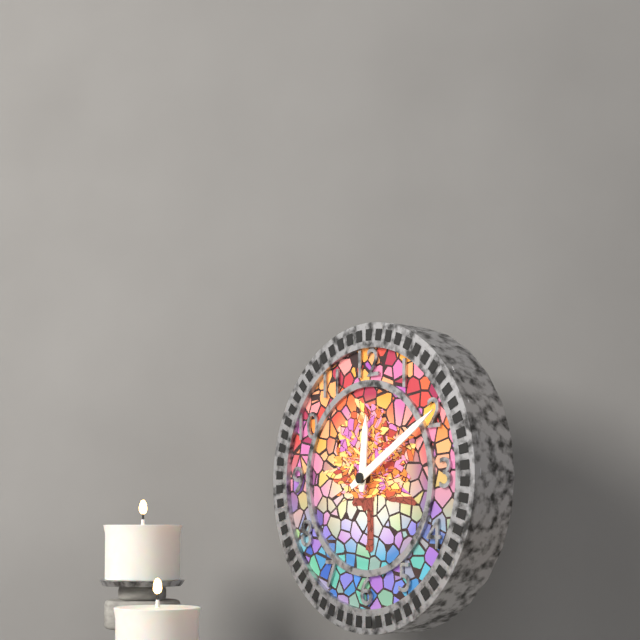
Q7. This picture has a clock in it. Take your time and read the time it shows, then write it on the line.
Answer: 12:10
